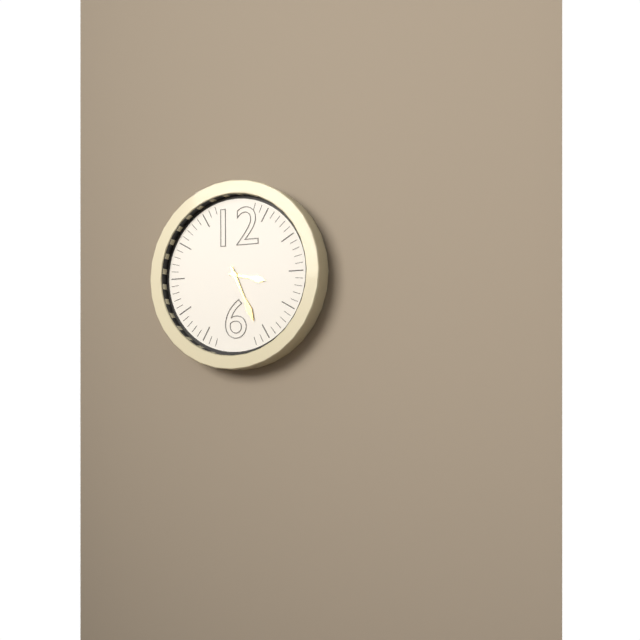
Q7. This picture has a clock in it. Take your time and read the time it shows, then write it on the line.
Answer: 3:26
